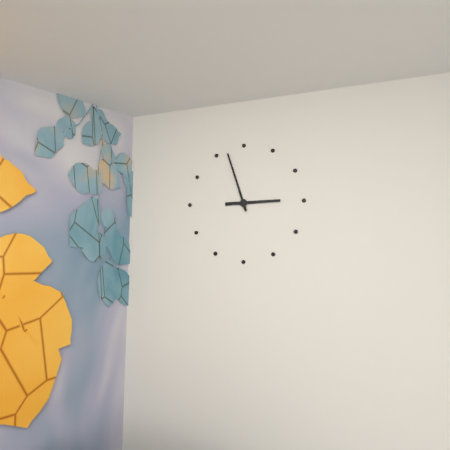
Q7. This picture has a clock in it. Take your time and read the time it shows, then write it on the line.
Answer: 2:57
